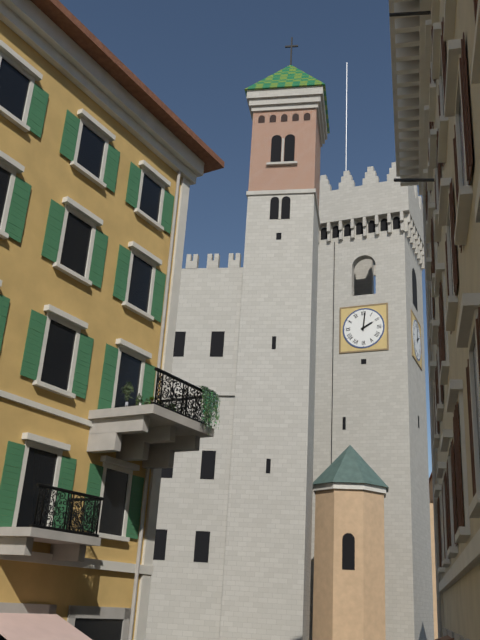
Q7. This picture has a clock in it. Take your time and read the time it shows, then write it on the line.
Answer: 2:01
